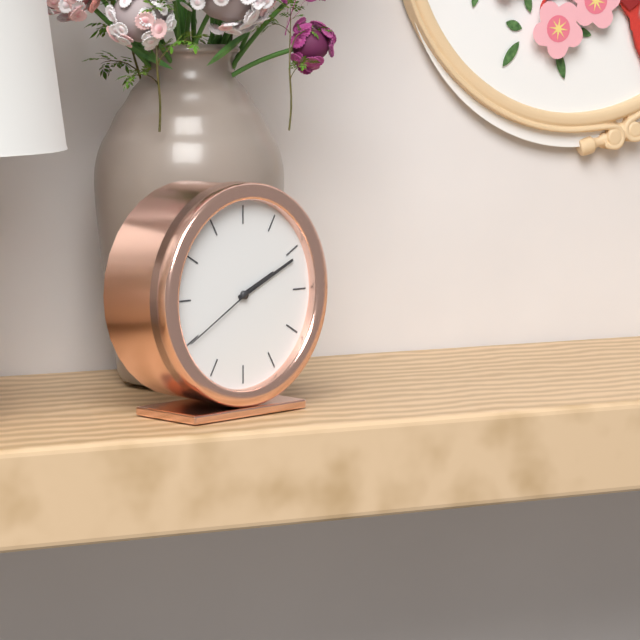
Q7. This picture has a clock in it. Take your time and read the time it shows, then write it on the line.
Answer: 2:11:40
